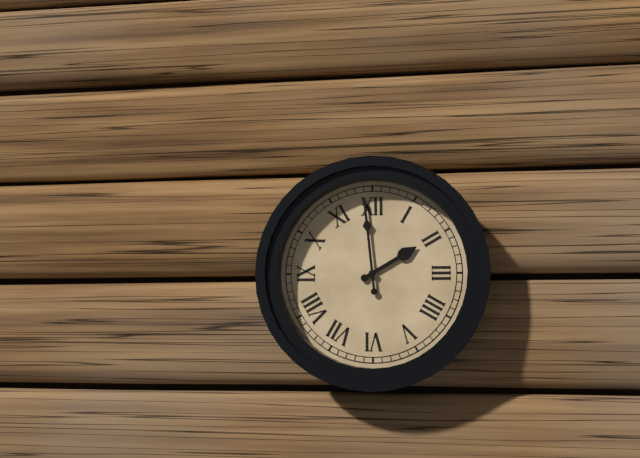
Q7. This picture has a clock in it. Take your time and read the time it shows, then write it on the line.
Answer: 1:59
